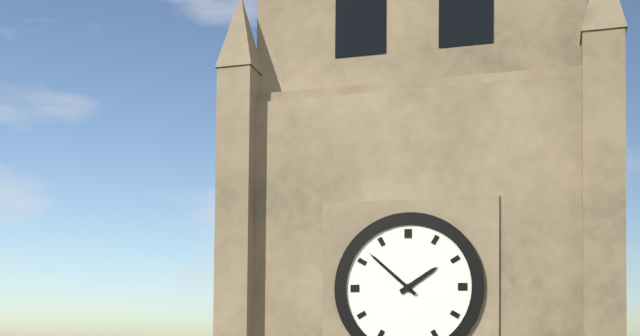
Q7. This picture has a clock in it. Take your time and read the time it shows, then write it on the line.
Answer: 1:52
